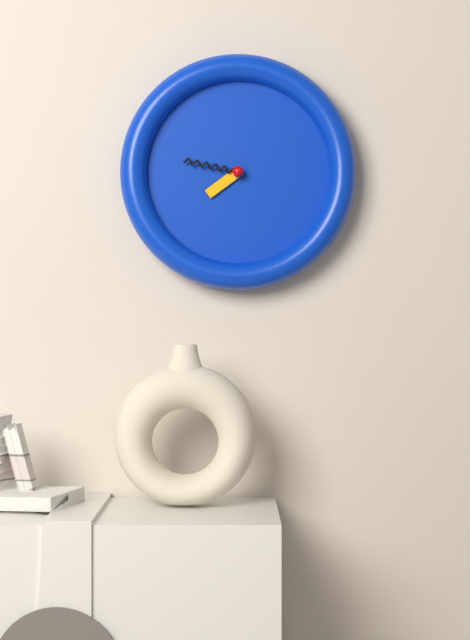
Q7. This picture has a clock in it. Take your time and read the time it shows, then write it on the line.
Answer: 7:47
